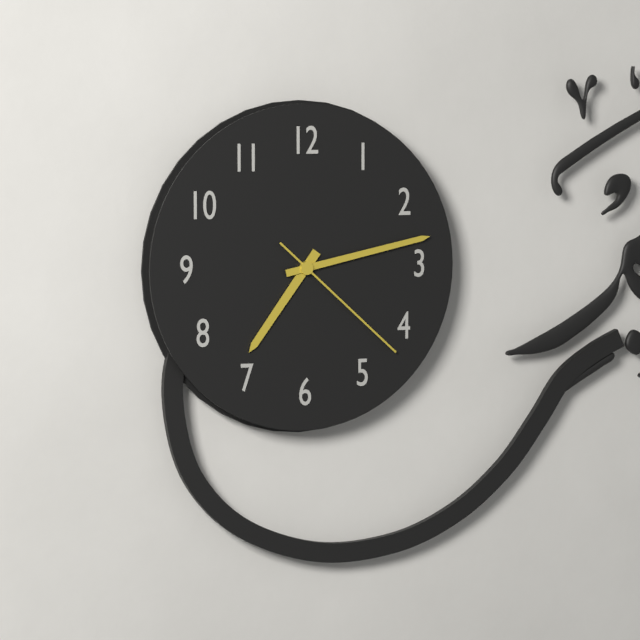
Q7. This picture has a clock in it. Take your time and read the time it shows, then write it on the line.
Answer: 7:13:22
